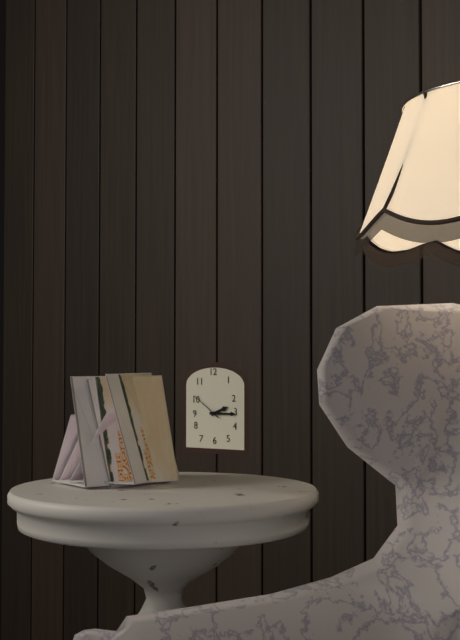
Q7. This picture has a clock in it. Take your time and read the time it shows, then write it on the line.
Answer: 2:15
